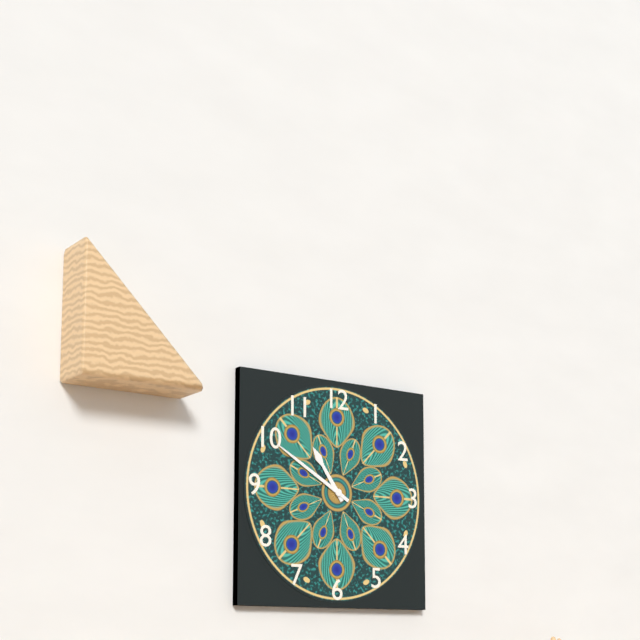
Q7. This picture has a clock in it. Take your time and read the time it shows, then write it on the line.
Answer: 10:50
